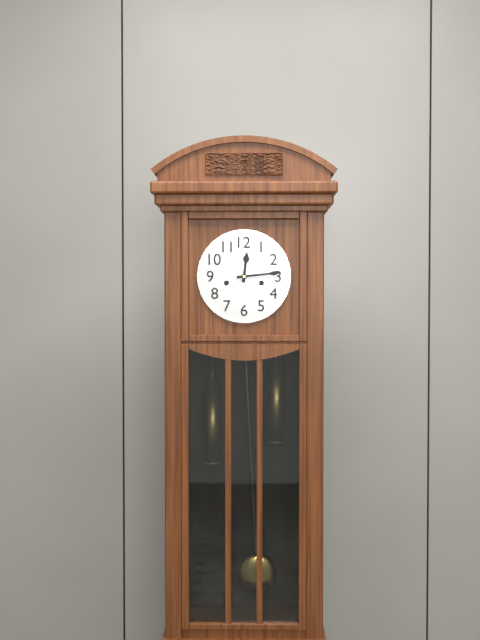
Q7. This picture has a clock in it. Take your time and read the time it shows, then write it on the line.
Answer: 12:14
